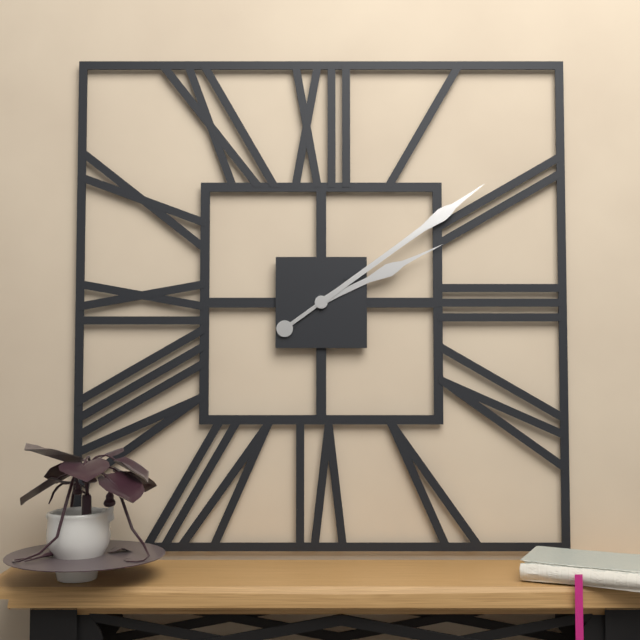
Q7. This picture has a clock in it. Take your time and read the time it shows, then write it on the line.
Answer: 2:09
